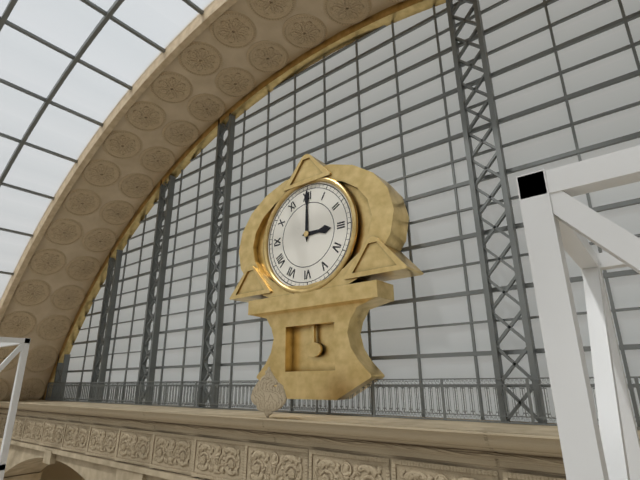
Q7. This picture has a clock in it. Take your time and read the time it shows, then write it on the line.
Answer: 3:00
